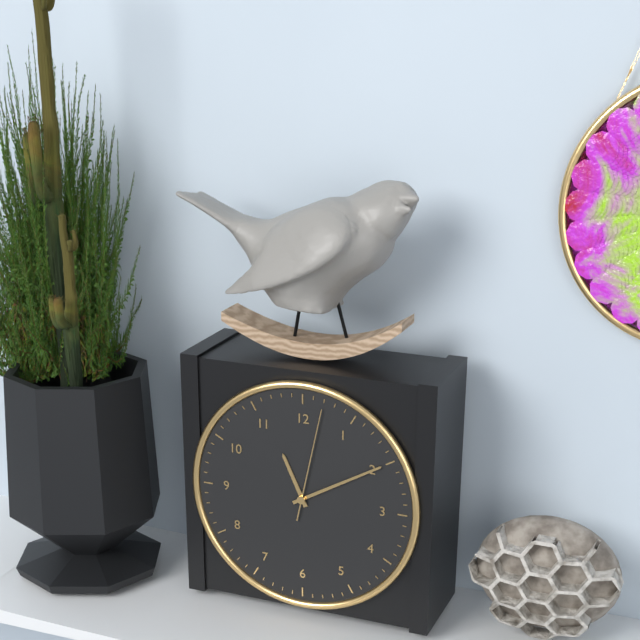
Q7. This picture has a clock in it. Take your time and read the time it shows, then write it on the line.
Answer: 11:10:02
